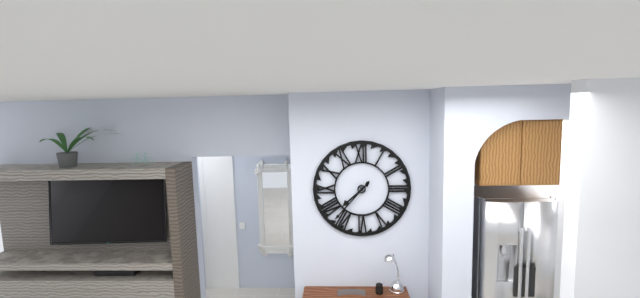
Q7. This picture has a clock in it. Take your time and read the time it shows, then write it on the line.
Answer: 7:37
